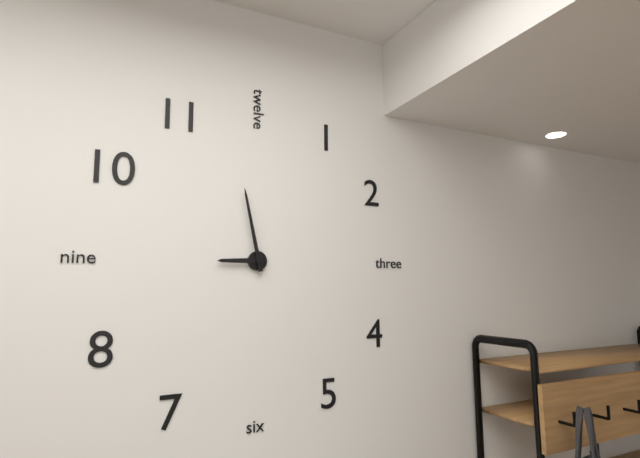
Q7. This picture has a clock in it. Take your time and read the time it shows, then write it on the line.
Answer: 8:58
